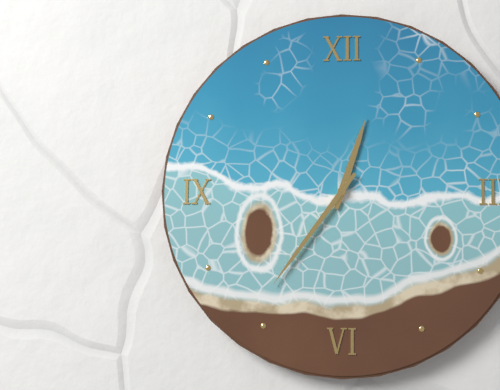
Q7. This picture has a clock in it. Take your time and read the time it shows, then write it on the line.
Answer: 12:36
